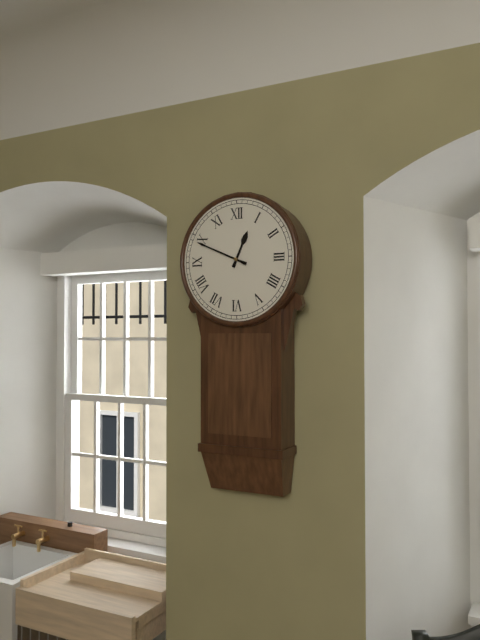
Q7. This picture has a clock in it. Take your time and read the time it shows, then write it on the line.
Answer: 12:49
